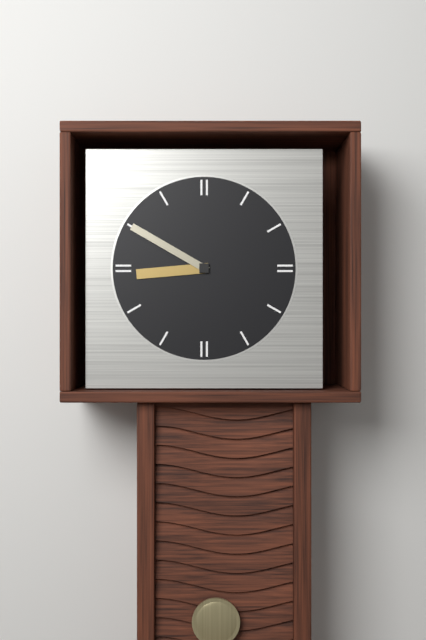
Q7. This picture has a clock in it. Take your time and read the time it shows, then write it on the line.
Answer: 8:50
